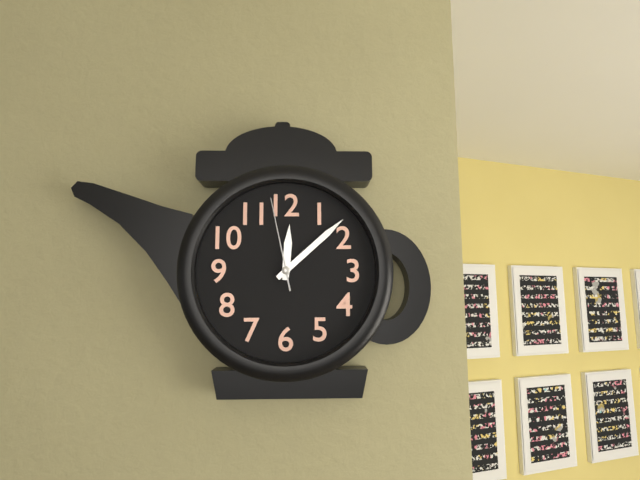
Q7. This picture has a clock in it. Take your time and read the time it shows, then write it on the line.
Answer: 12:08:58
